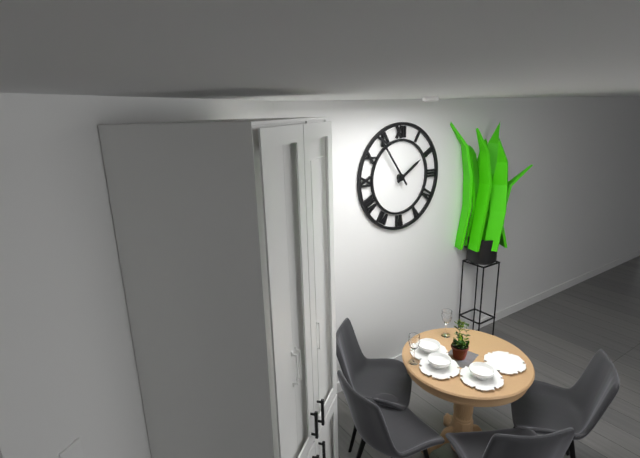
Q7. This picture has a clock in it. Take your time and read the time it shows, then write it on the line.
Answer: 1:54
